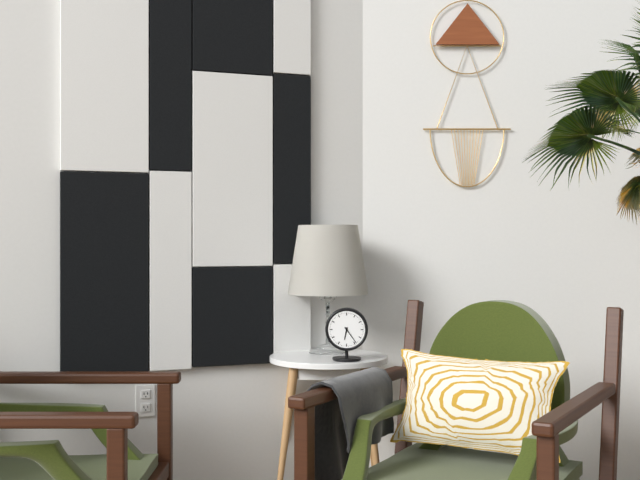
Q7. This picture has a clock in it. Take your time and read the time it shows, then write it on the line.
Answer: 6:24
